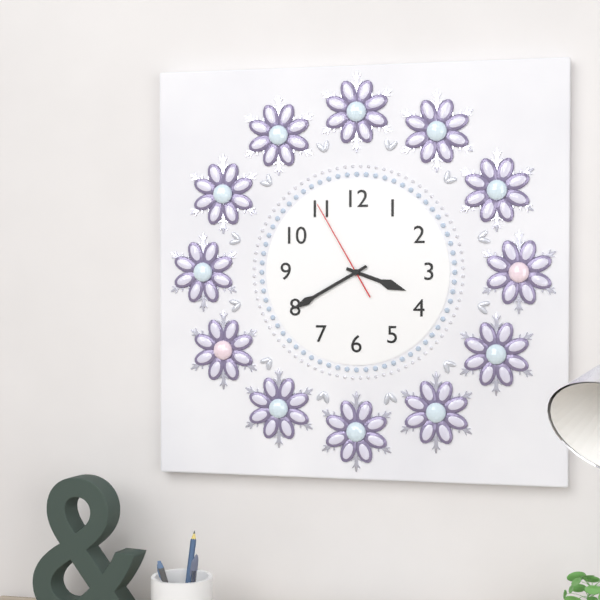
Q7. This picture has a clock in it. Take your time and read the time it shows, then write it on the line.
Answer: 3:40:55
